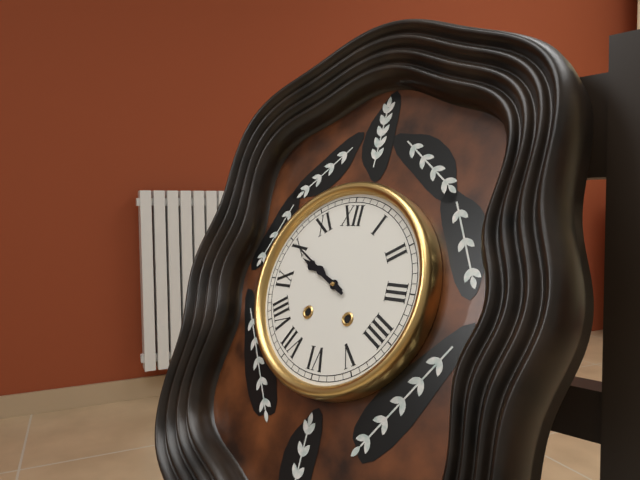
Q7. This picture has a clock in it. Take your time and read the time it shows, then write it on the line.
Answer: 9:50
